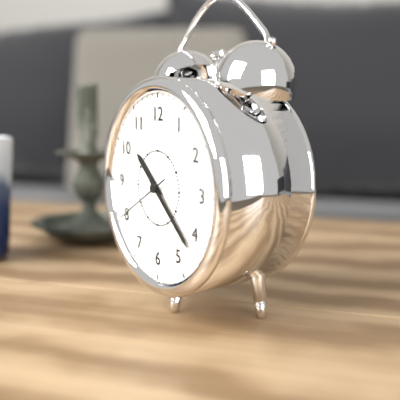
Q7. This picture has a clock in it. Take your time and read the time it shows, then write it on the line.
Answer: 10:22:40
